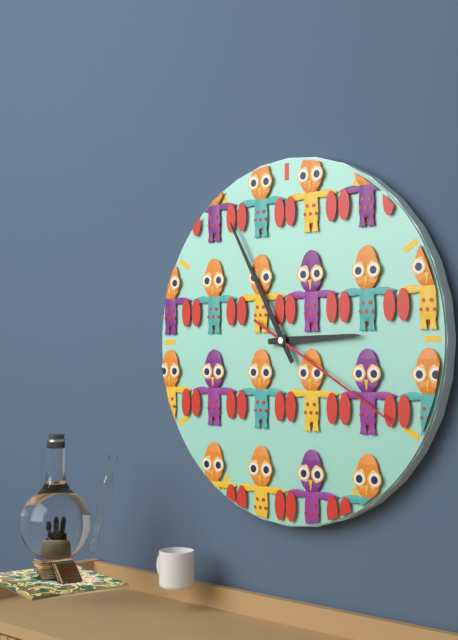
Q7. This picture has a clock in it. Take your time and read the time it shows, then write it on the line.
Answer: 2:55:20
